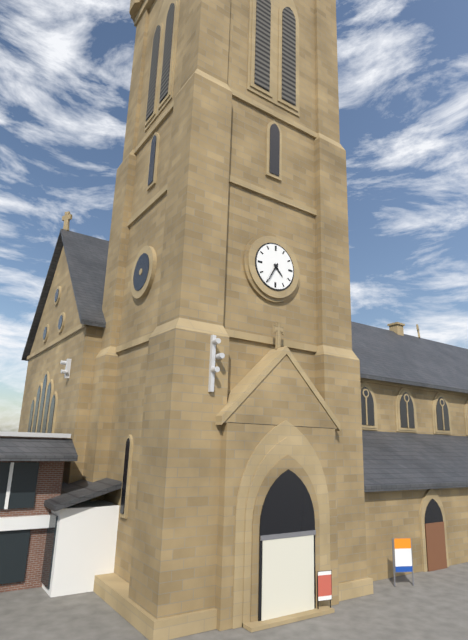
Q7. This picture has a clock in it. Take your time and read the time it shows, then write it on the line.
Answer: 4:35
